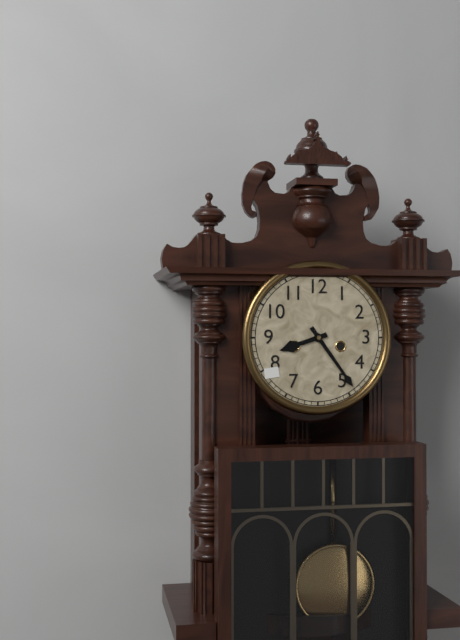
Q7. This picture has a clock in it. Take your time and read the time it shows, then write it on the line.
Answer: 8:24
